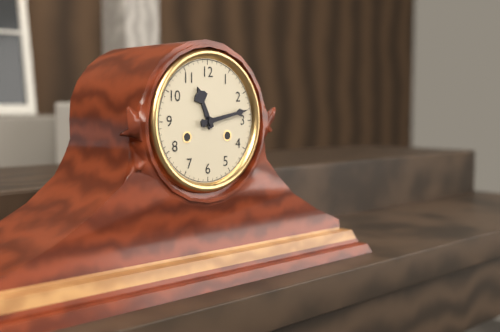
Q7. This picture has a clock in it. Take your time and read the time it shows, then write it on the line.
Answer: 11:13
